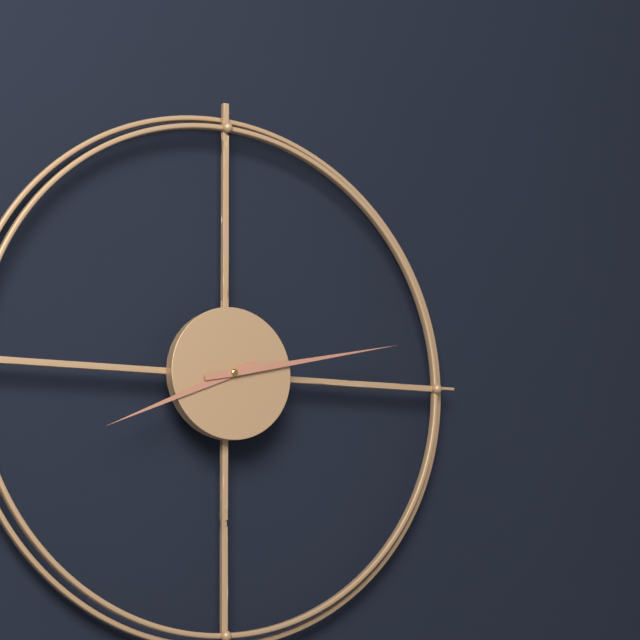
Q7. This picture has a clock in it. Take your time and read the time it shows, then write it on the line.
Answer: 8:13
